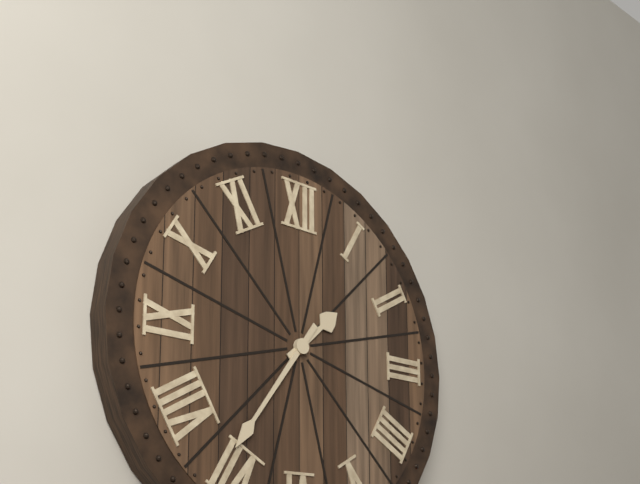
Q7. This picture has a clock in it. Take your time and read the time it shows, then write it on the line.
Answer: 1:36
